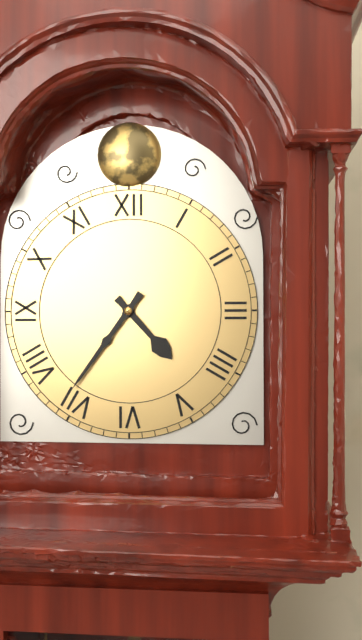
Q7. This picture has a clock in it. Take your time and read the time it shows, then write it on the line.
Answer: 4:36
